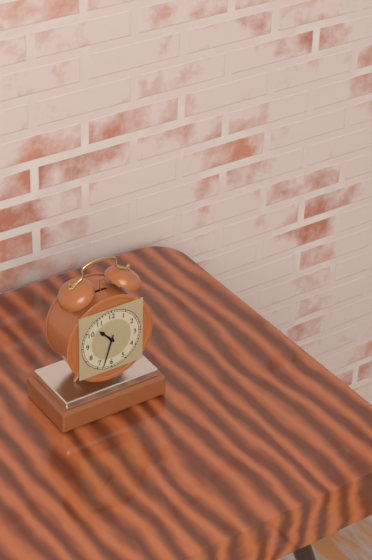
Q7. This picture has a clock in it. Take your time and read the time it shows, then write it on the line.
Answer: 10:33
